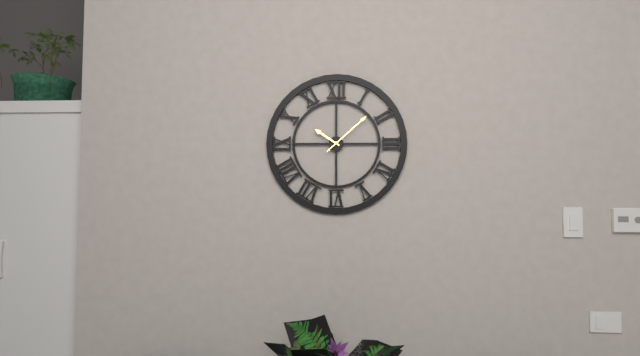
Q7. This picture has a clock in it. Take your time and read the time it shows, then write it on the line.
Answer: 10:08
